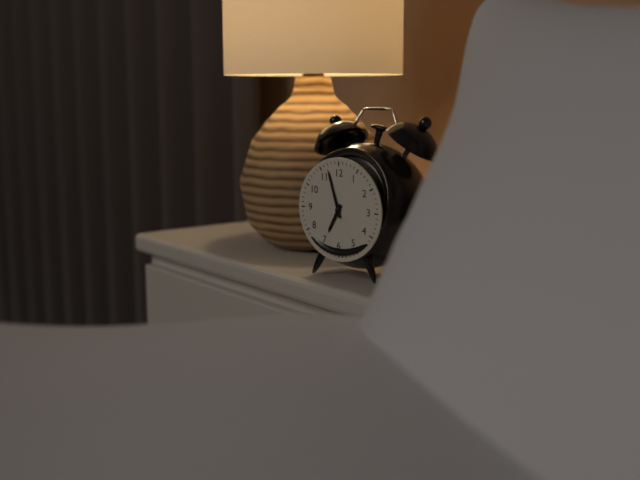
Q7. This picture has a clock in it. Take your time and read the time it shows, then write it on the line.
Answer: 6:57
